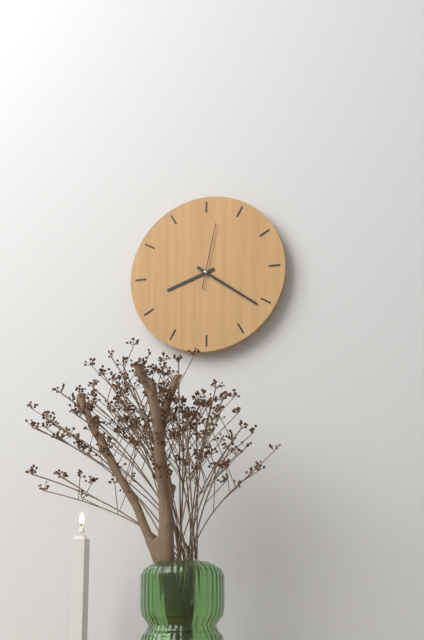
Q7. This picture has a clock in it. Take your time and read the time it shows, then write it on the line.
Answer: 8:21:02
